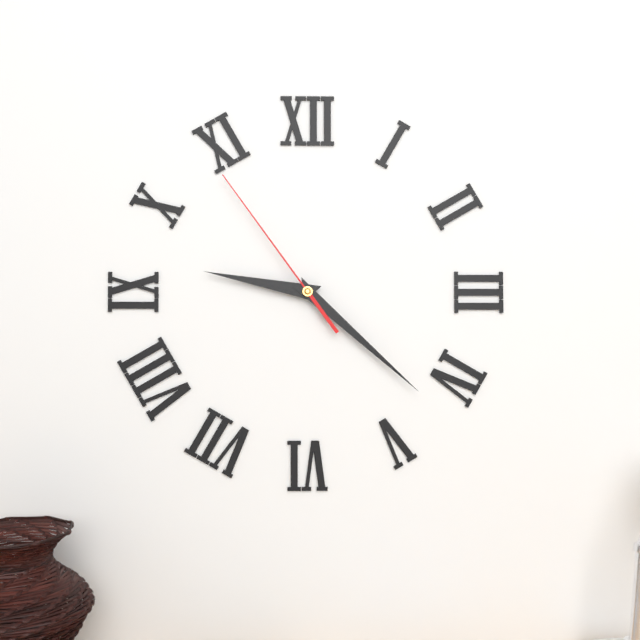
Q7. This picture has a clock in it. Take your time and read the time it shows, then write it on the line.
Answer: 9:22:54
